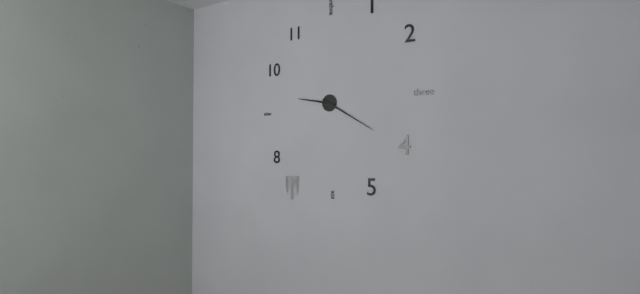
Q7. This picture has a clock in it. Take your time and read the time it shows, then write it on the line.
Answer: 9:20
